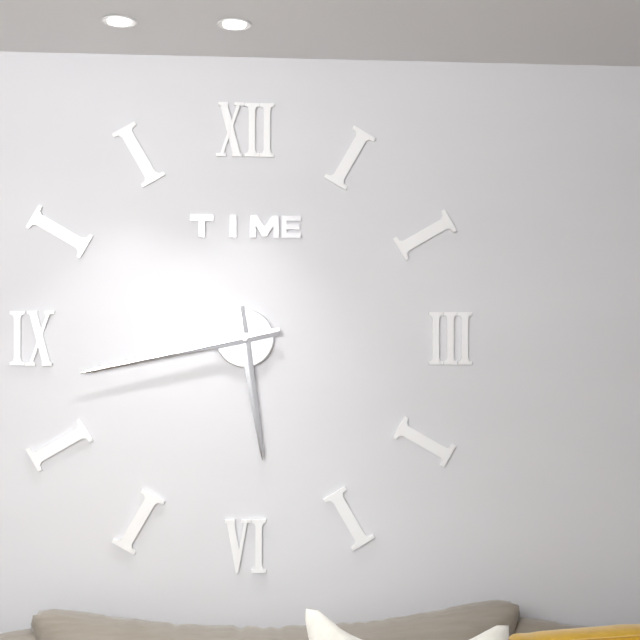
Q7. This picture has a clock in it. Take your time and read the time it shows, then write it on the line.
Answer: 5:43
